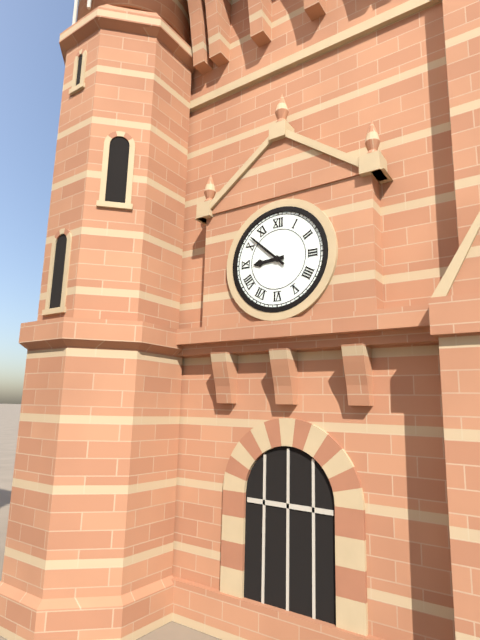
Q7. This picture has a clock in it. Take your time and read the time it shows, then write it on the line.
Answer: 8:52
